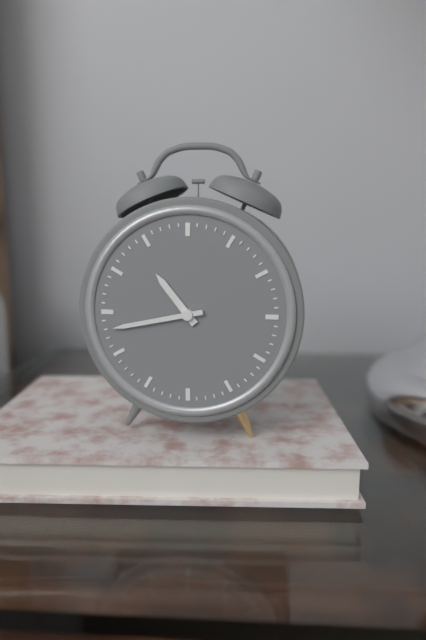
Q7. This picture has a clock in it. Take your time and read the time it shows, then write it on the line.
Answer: 10:43
